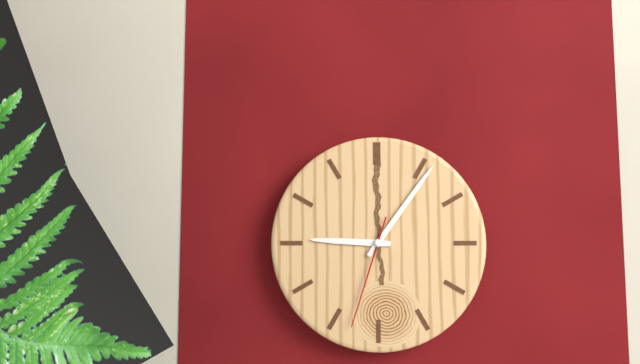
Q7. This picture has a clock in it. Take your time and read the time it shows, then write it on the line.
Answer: 9:06:33
